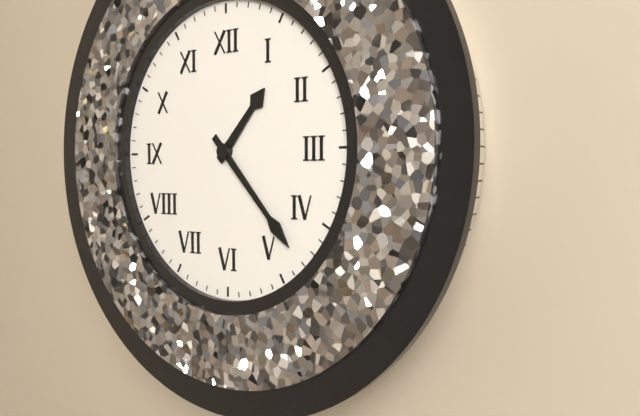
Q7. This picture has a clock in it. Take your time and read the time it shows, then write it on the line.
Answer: 1:23
